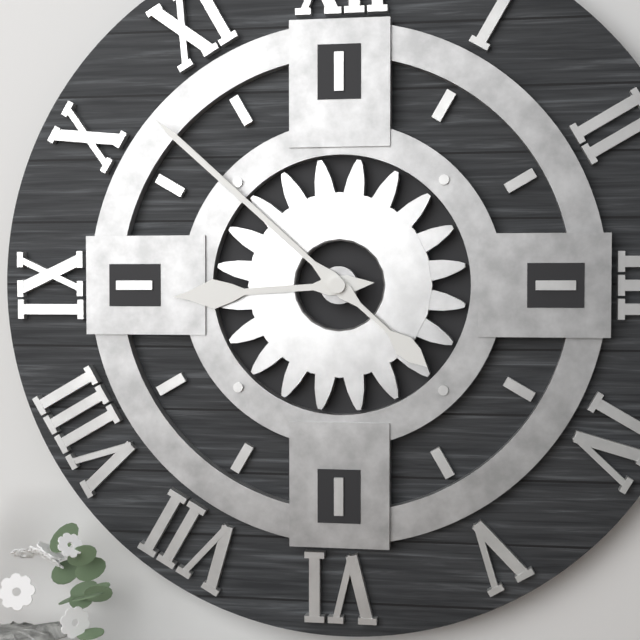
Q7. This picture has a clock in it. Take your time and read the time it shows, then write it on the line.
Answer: 8:52
